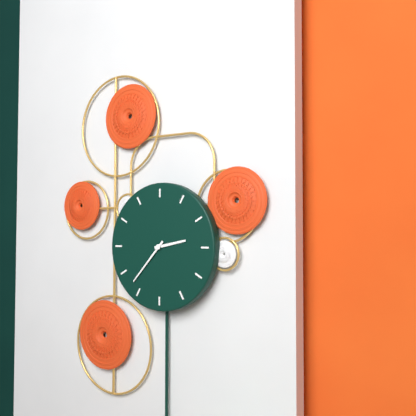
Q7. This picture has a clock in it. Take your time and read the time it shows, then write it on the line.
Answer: 2:37
